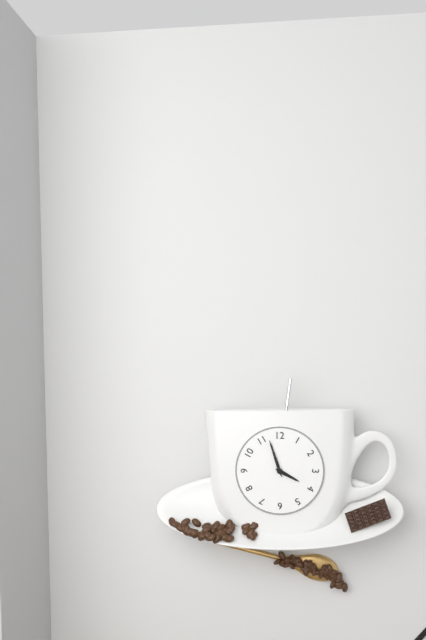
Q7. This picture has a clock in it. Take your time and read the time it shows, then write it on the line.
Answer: 3:57
